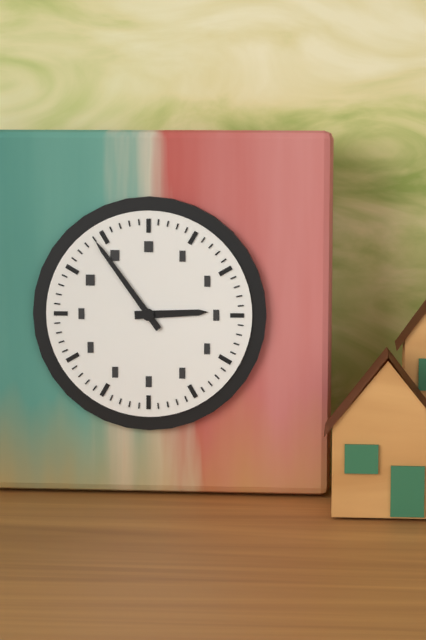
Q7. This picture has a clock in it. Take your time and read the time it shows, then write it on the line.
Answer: 2:54
